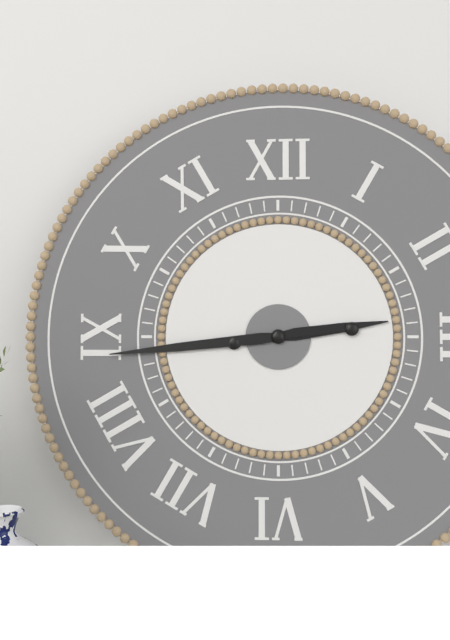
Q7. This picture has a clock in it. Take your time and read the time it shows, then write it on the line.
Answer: 2:44
